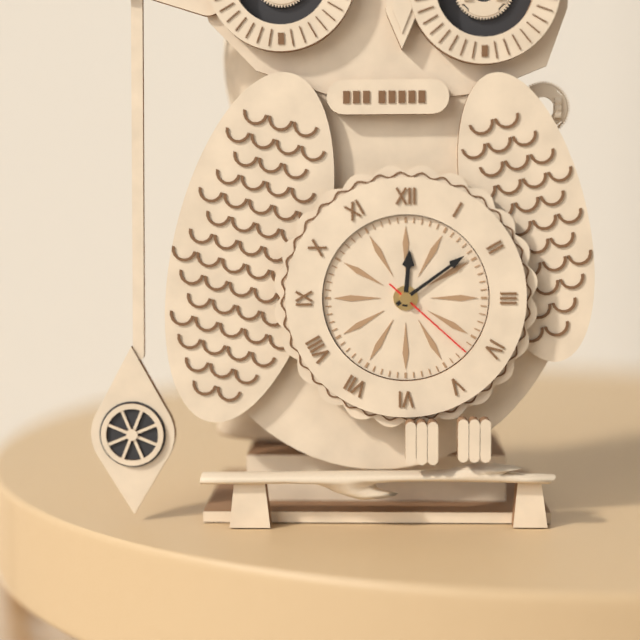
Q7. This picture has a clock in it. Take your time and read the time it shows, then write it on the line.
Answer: 12:09:22
